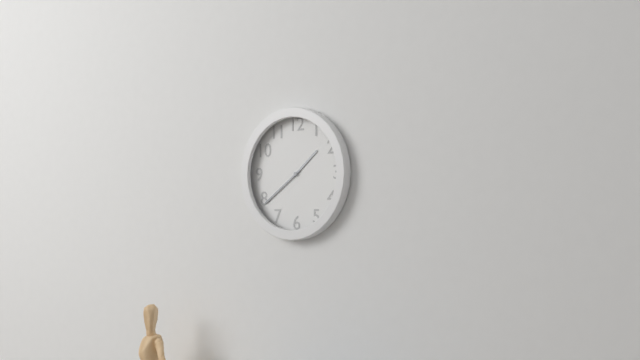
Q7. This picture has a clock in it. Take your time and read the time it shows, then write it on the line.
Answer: 1:39
